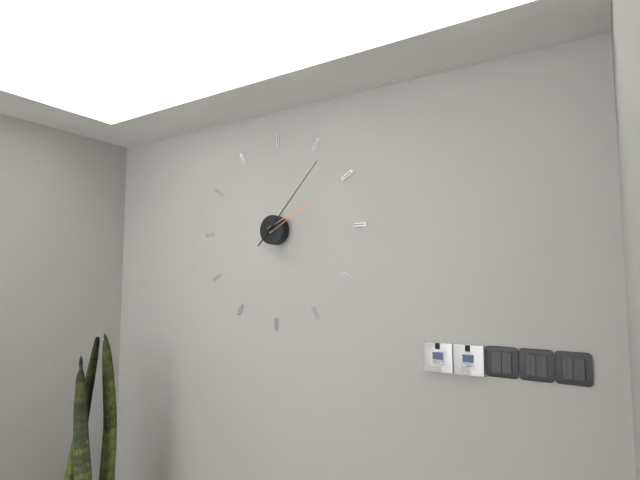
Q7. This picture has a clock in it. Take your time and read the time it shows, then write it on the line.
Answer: 2:07
